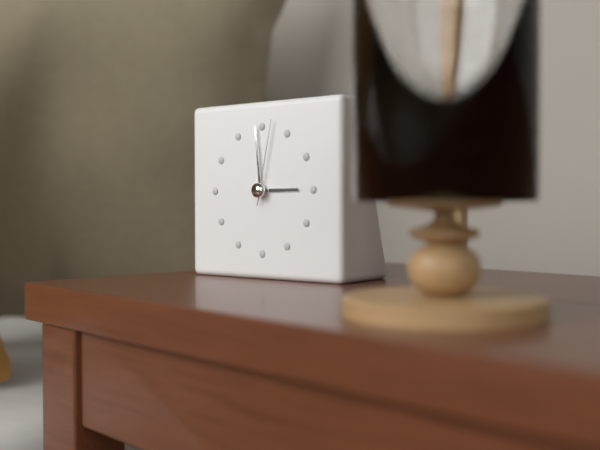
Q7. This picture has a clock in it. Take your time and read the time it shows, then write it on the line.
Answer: 2:59:02
